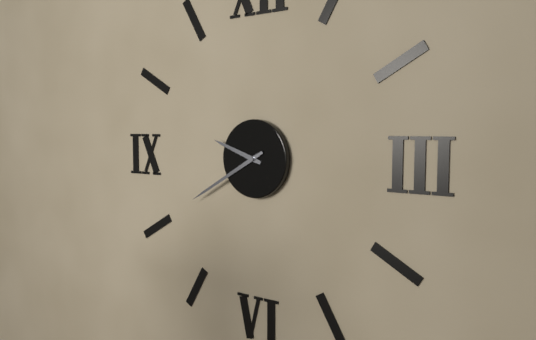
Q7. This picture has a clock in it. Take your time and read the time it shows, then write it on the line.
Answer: 9:40
